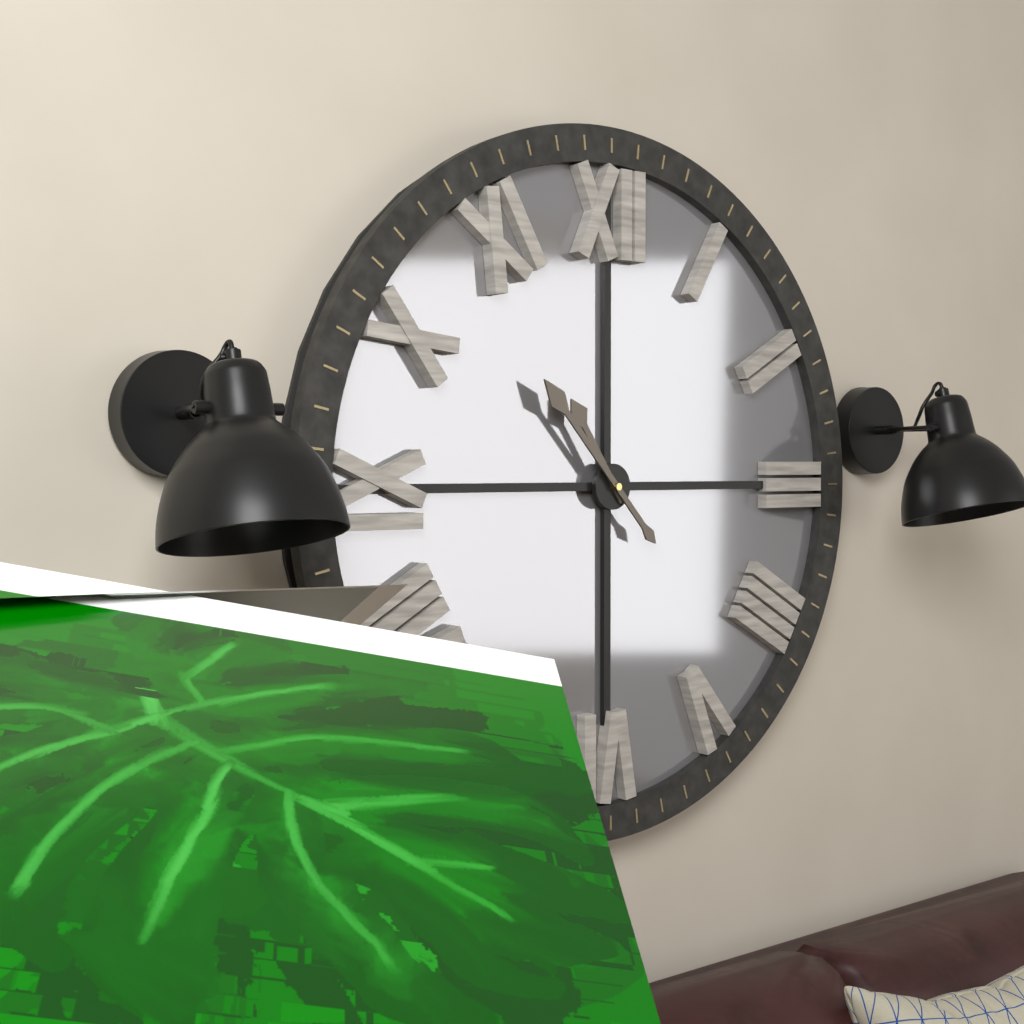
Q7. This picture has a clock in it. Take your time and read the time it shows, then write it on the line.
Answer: 10:53
